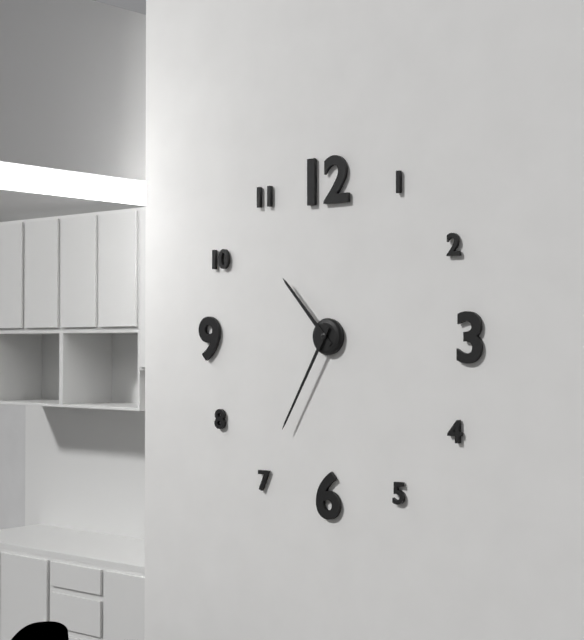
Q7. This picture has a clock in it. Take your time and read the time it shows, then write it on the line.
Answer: 10:35
